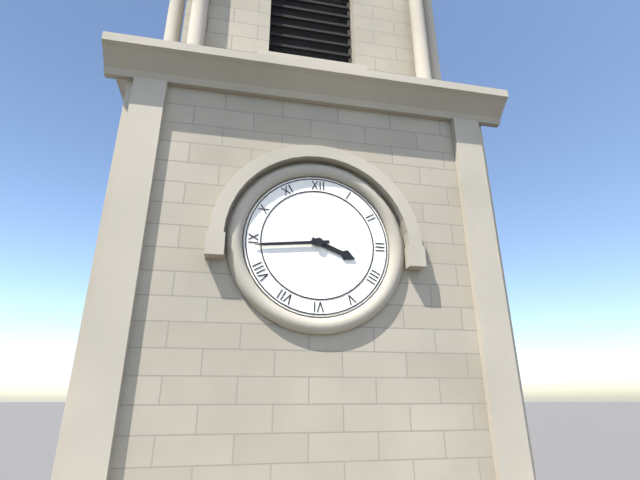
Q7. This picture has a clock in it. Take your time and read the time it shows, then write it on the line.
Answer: 3:44
